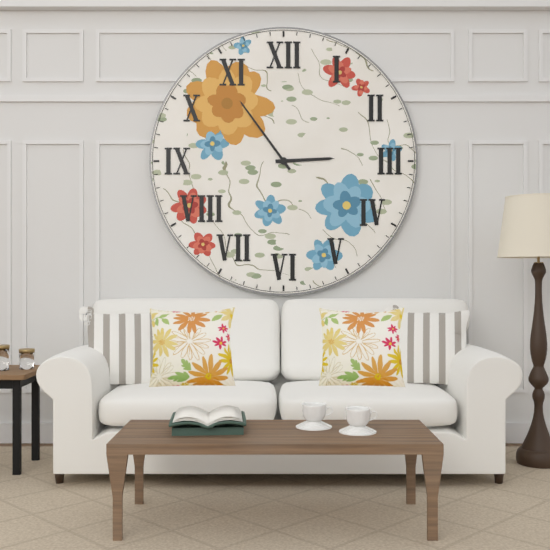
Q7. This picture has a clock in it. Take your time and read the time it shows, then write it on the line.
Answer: 2:54
